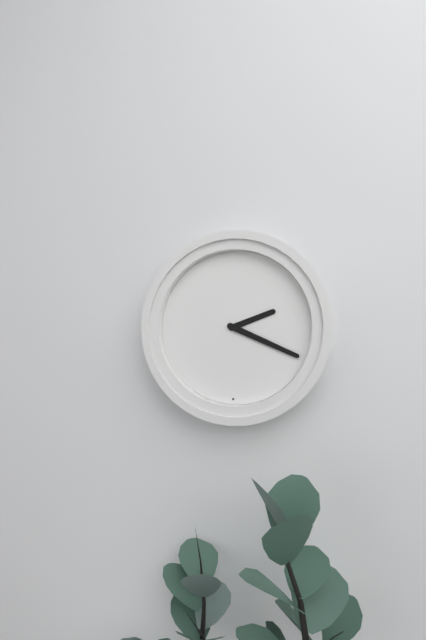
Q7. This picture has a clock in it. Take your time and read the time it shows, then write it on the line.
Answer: 2:19
